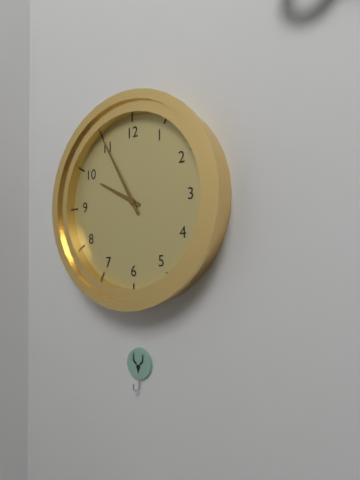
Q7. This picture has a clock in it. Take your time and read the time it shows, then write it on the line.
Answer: 9:55
